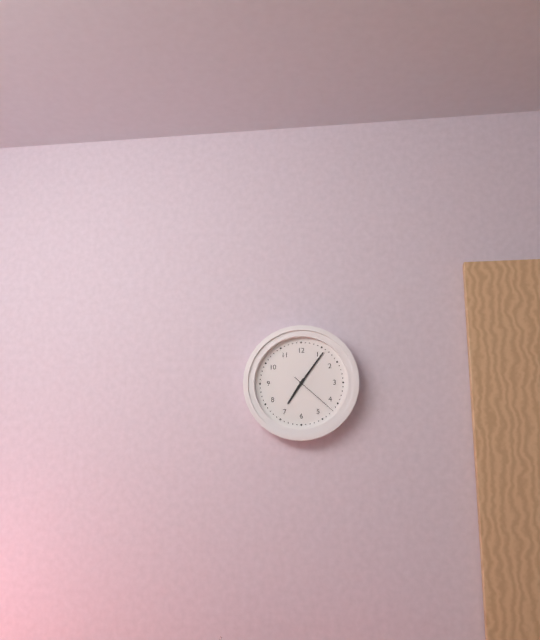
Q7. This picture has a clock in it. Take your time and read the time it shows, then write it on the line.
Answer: 7:06:22
